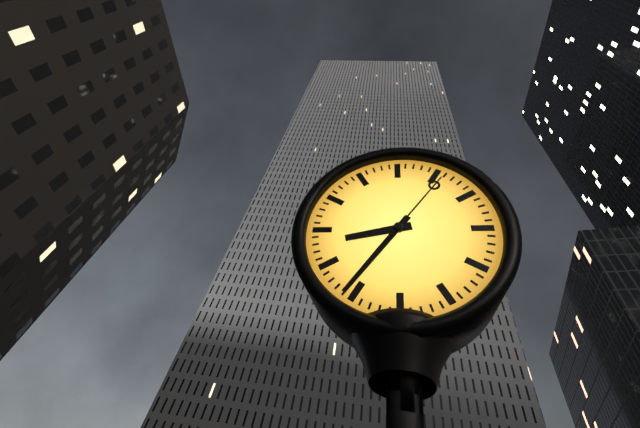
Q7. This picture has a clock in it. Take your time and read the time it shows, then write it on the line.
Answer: 8:36:06
